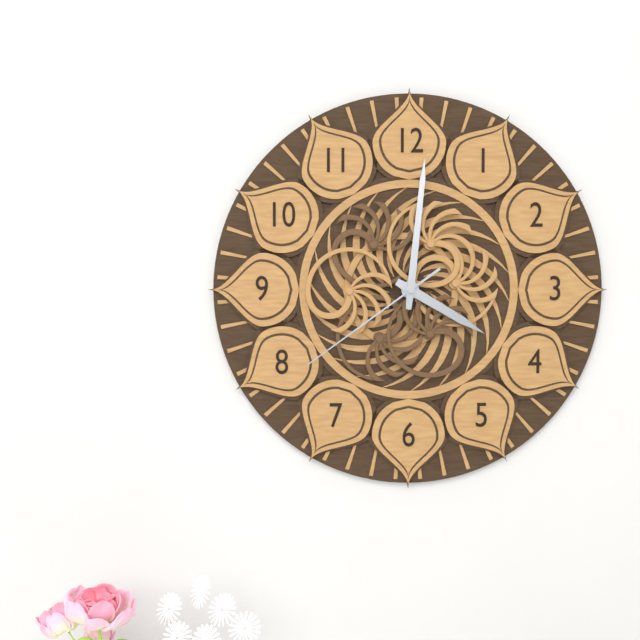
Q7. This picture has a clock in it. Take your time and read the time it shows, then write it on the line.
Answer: 4:01:39
